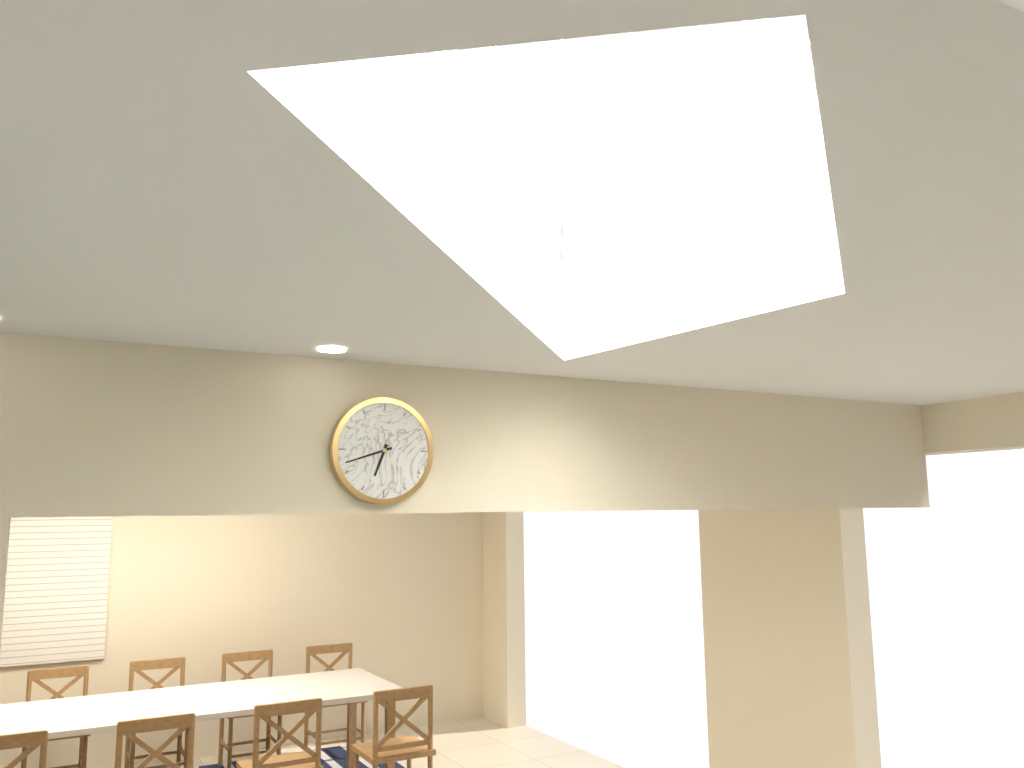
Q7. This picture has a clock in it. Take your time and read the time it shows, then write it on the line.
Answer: 6:42
